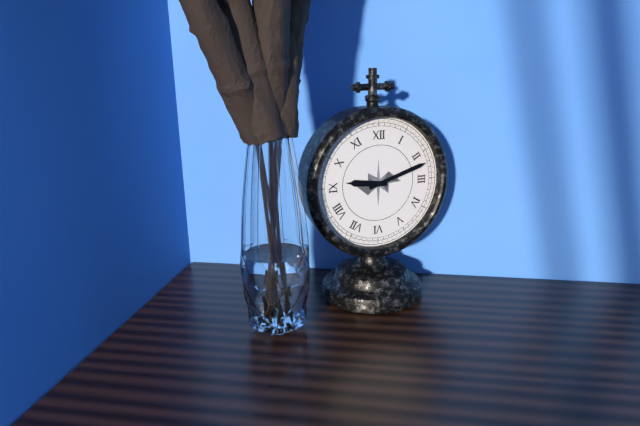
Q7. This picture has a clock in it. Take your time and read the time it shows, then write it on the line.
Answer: 9:12
